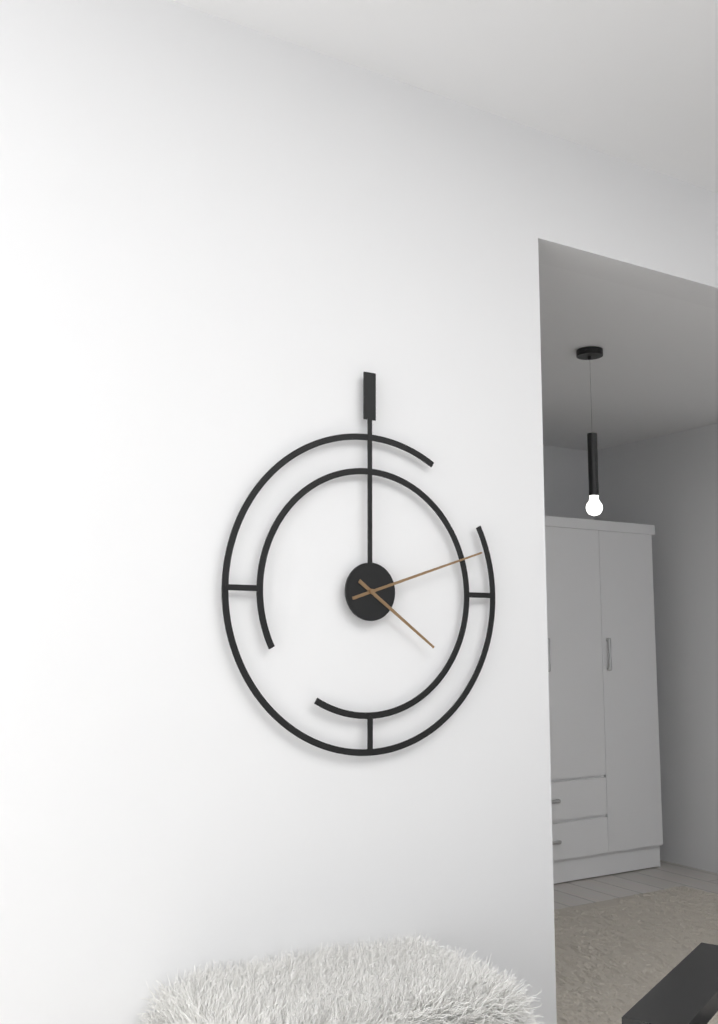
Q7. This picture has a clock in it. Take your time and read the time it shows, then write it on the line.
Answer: 4:12
